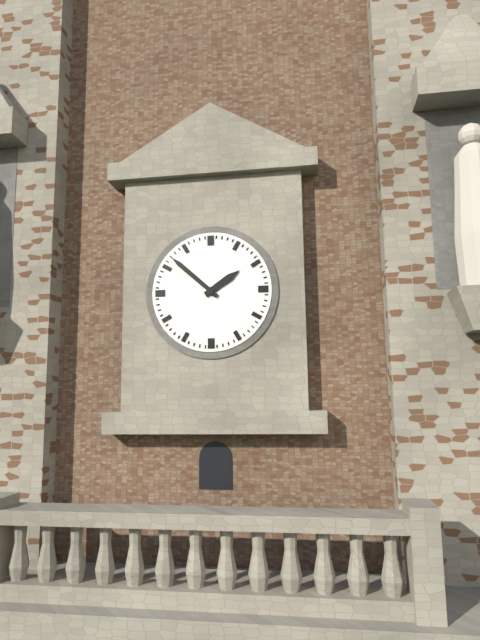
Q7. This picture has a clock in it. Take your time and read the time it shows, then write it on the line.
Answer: 1:52
